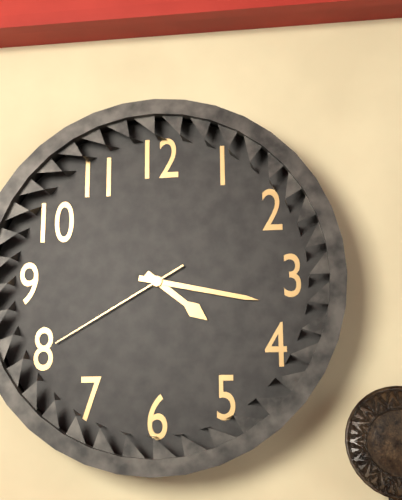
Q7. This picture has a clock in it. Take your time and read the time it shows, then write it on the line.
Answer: 4:17:40
